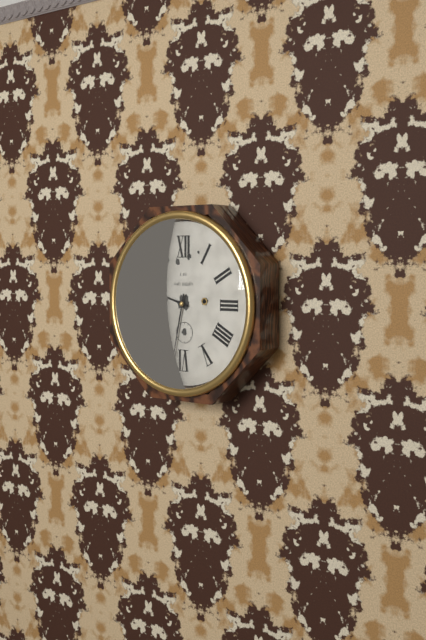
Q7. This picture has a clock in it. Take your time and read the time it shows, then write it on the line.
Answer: 9:32
